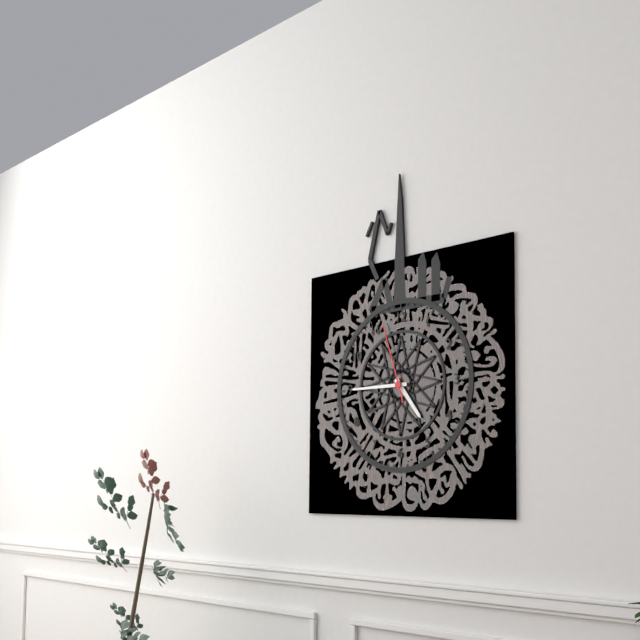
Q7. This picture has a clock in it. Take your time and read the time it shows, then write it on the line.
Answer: 4:45:57
